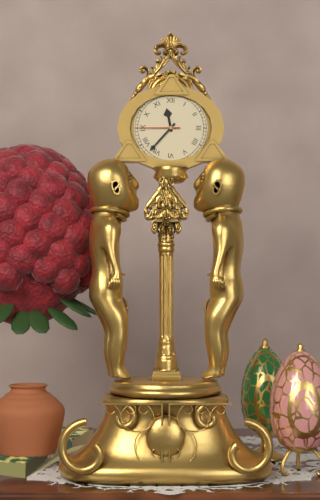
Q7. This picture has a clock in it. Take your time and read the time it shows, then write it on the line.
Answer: 11:37
